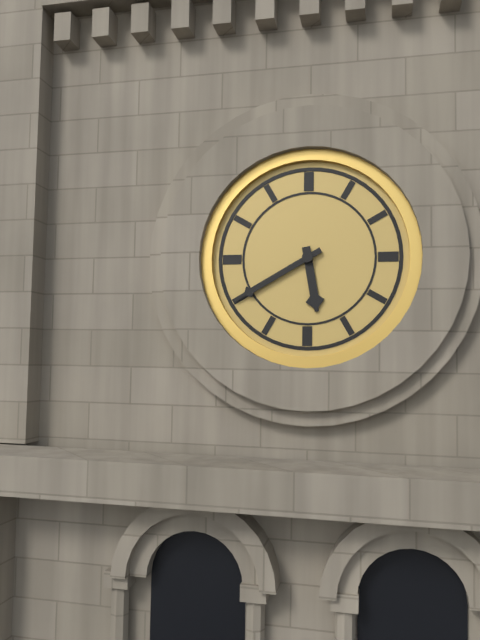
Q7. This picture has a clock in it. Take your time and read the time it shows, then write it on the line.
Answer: 5:40
